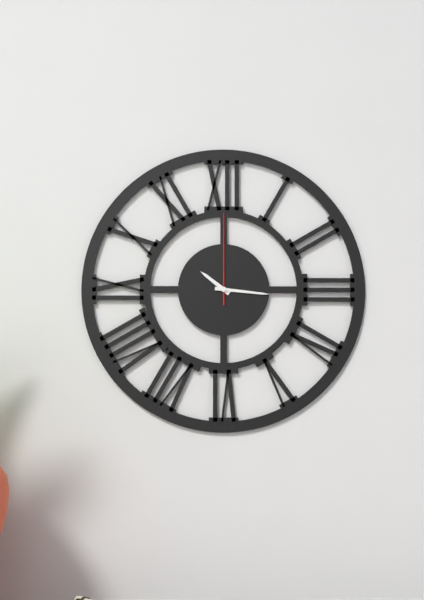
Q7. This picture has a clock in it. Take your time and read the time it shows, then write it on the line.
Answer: 10:16:00
